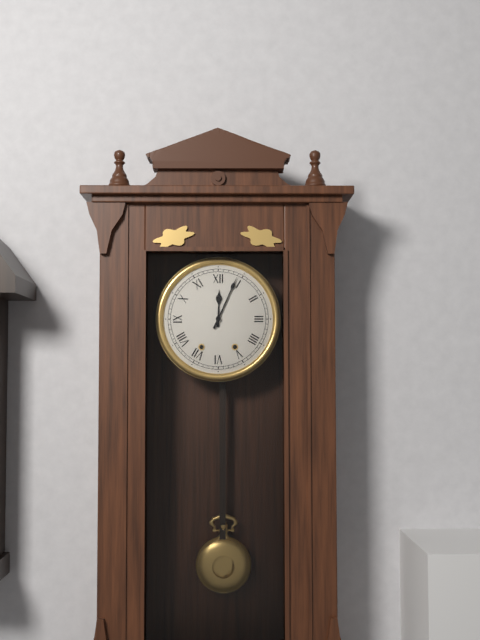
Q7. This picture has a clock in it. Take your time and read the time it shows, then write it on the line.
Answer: 12:04
